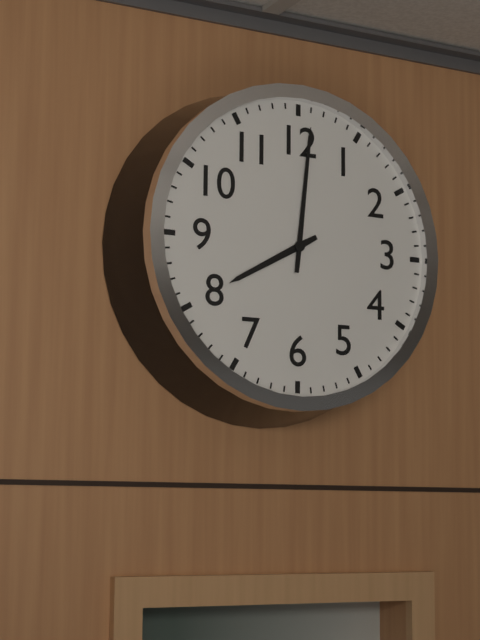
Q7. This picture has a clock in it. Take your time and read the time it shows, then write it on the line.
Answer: 8:01
